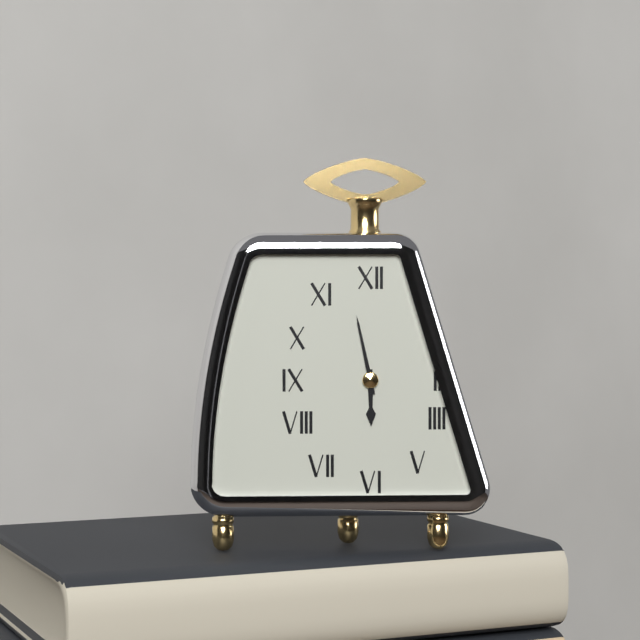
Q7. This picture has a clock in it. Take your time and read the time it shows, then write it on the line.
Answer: 5:58
